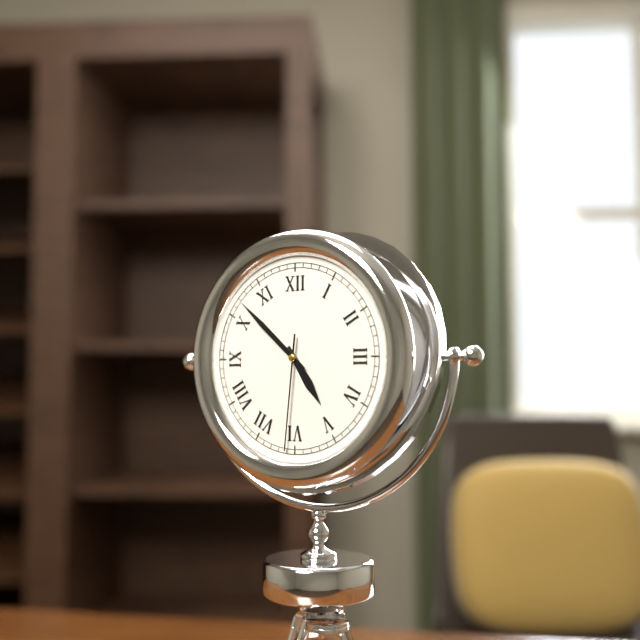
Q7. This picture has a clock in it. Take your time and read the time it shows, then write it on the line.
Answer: 4:52:31
